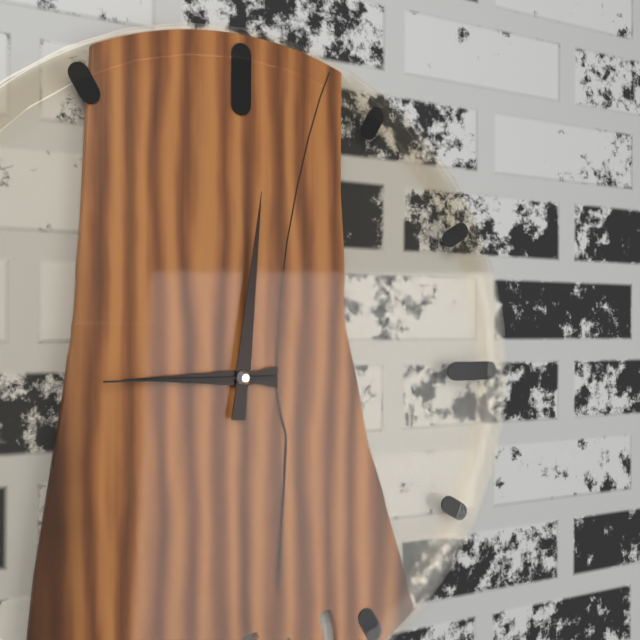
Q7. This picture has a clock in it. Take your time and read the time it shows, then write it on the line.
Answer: 9:01:45
